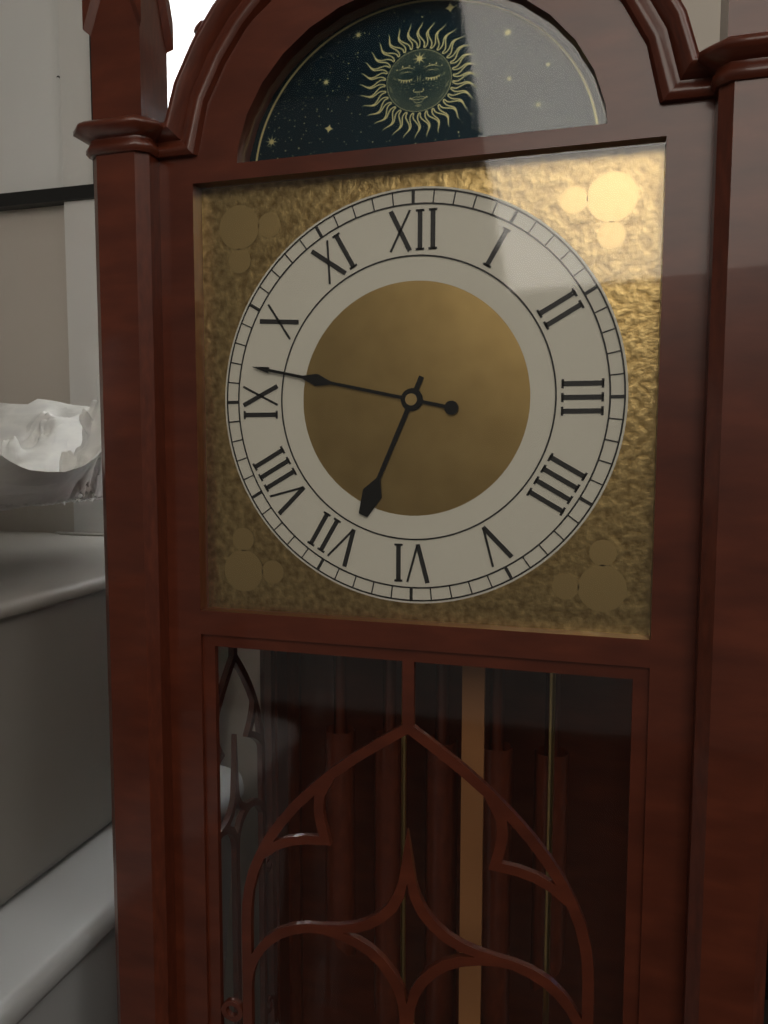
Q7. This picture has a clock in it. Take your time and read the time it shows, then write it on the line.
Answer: 6:47
